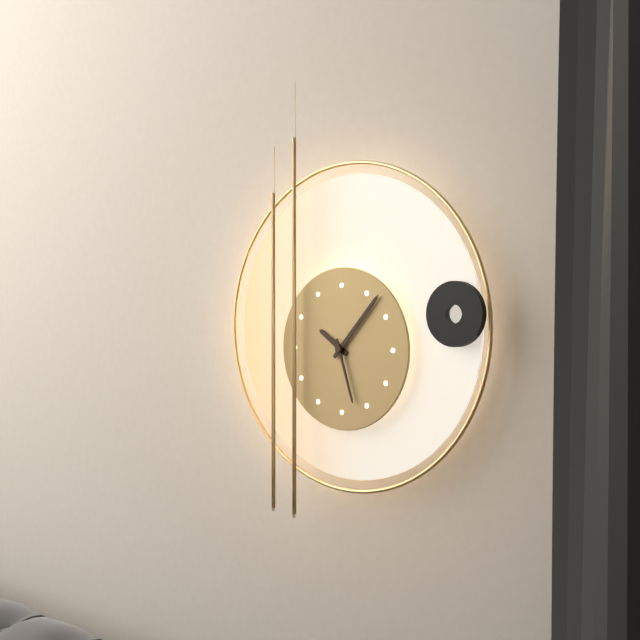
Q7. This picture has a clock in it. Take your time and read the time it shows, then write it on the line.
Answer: 10:07:27
